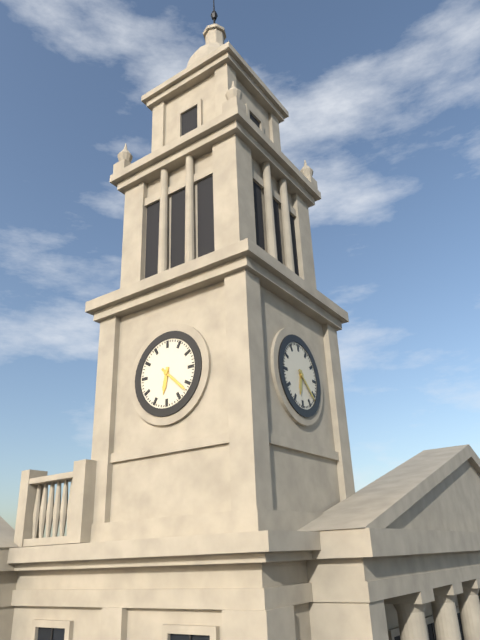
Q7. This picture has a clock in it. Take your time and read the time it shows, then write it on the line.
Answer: 6:22
